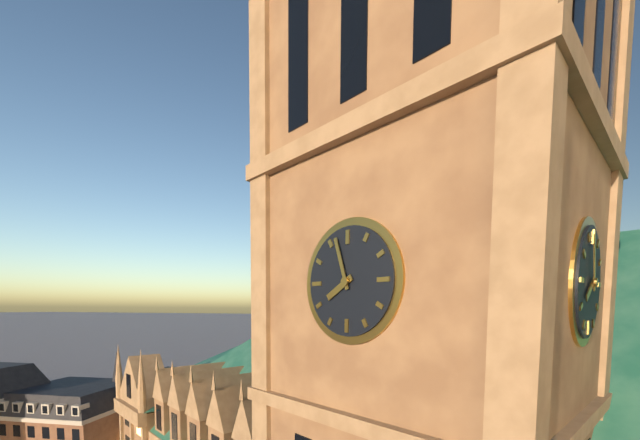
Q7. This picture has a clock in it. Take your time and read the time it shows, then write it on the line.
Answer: 7:57
